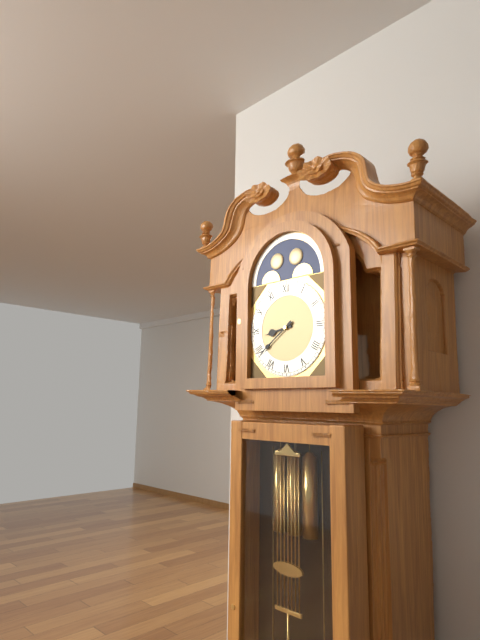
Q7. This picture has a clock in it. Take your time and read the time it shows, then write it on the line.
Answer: 8:39
